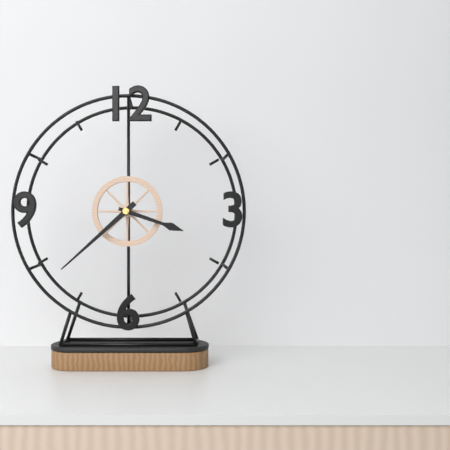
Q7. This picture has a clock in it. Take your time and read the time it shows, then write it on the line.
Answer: 3:38
